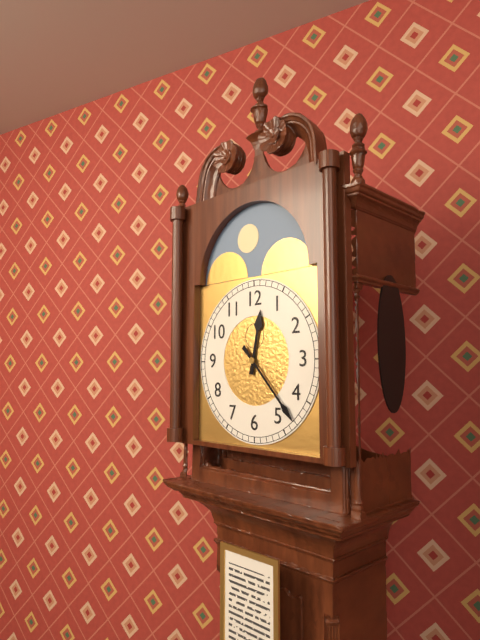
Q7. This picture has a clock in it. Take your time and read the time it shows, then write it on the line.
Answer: 12:23
